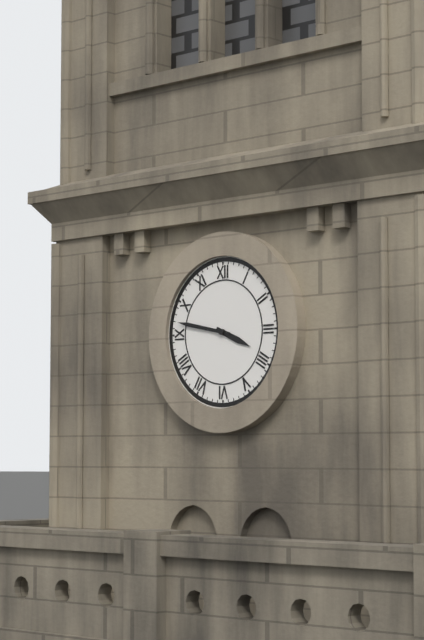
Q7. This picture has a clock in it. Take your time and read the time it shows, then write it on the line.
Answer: 3:47
